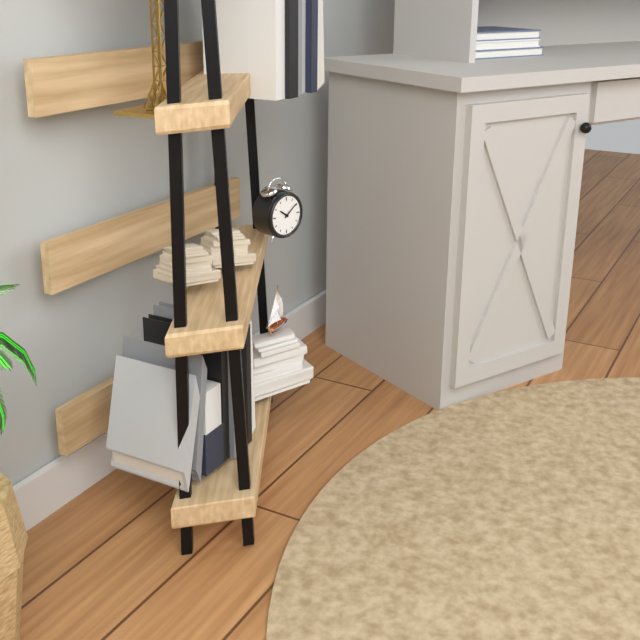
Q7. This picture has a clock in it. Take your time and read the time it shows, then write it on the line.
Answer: 10:09
